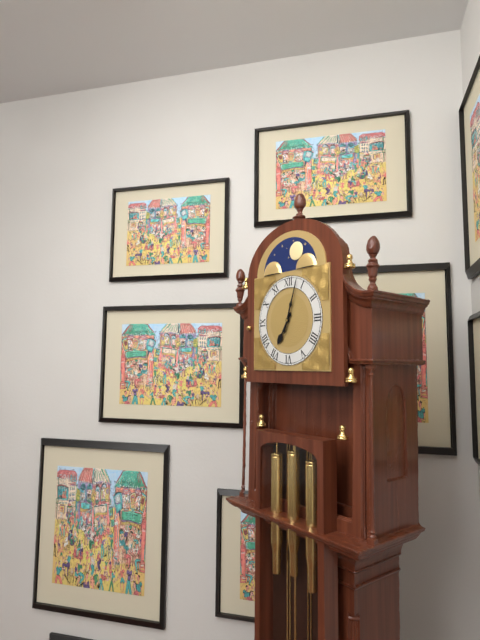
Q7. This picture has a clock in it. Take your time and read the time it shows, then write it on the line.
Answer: 7:03
